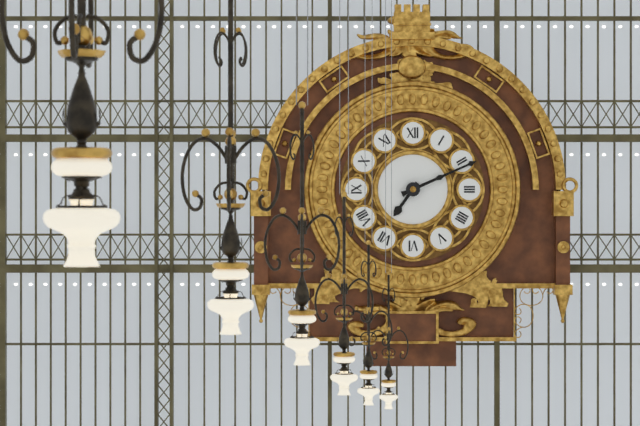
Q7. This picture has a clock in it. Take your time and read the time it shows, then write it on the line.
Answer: 7:11
